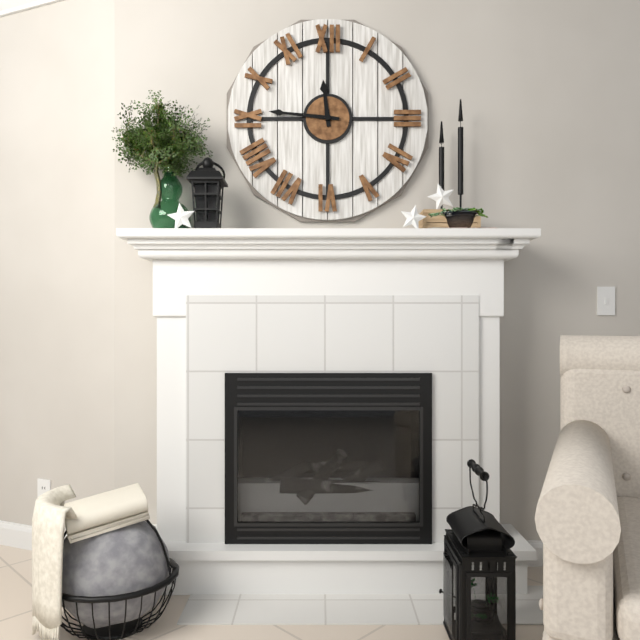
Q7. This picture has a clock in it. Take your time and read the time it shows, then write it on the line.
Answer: 11:46
